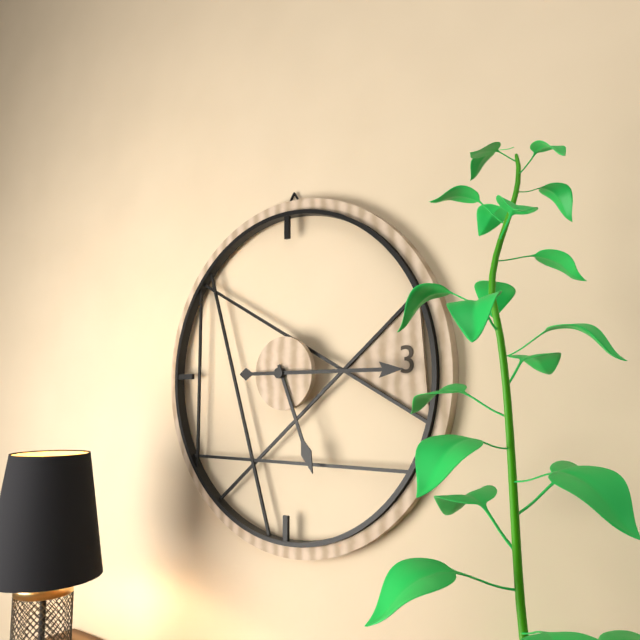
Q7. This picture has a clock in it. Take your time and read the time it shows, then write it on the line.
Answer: 5:15
